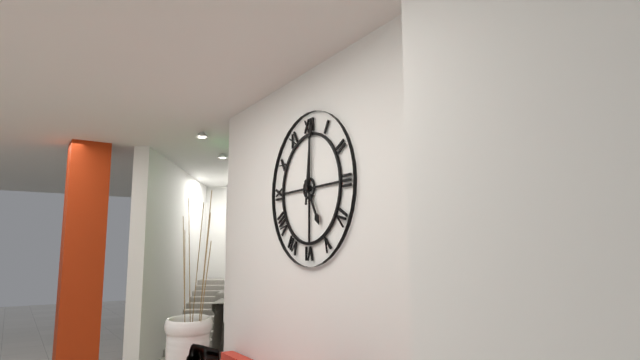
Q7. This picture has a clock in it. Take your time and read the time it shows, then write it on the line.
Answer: 5:01
